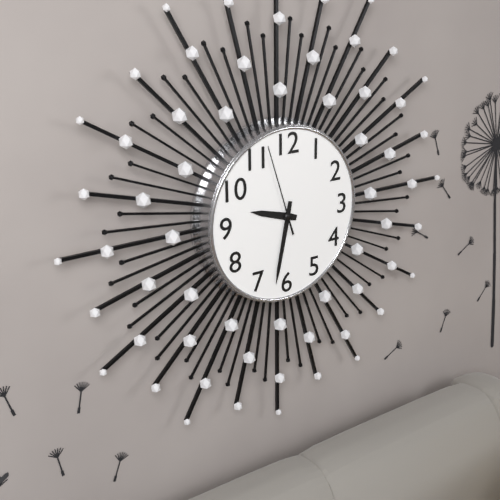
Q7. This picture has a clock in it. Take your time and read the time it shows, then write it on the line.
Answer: 9:32:57
